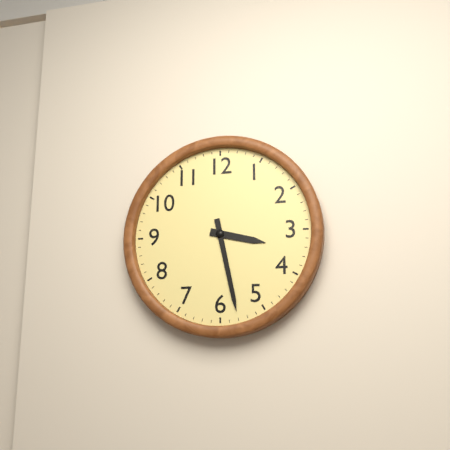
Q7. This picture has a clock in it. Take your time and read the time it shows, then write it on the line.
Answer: 3:28
